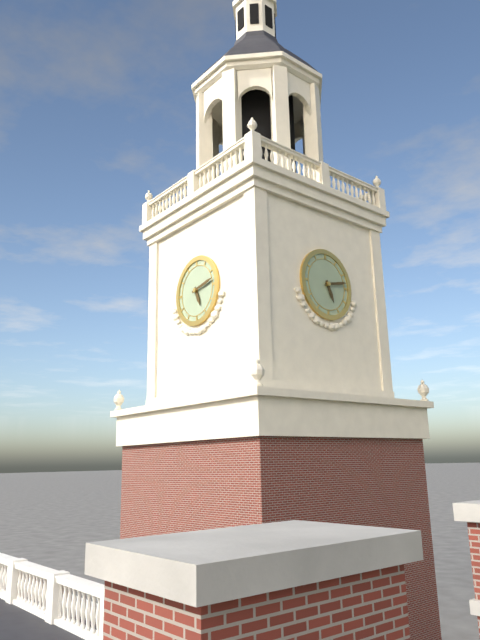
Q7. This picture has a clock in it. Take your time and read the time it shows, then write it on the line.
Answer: 5:13
